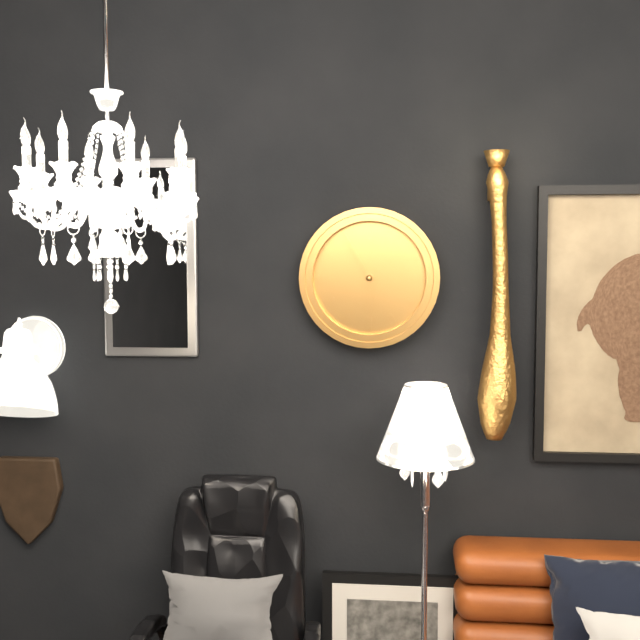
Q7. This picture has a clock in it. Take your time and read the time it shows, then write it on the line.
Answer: 5:55
